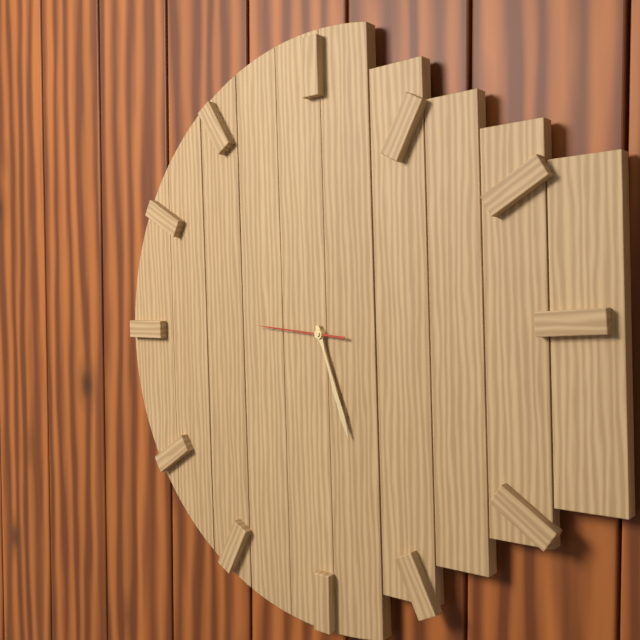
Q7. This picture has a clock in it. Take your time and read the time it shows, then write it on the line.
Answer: 5:27:46
